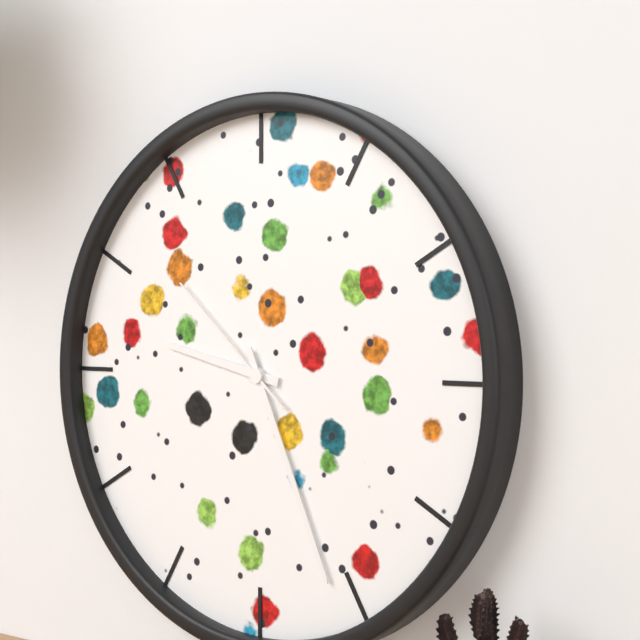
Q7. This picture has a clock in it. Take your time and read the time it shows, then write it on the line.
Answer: 9:26:52
